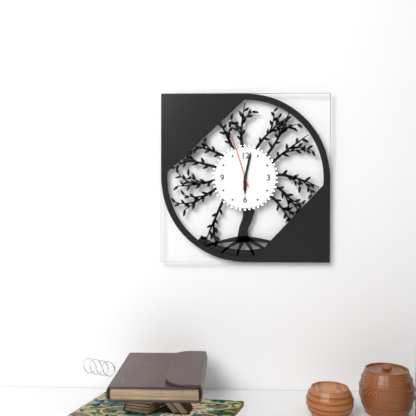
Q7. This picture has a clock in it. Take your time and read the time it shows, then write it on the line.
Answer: 6:02:57
